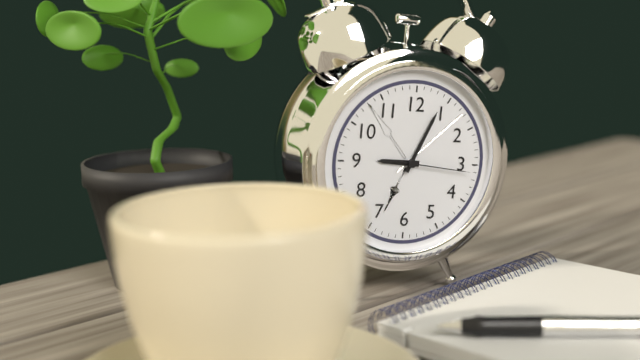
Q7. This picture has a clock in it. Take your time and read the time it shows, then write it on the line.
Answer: 9:04:16
